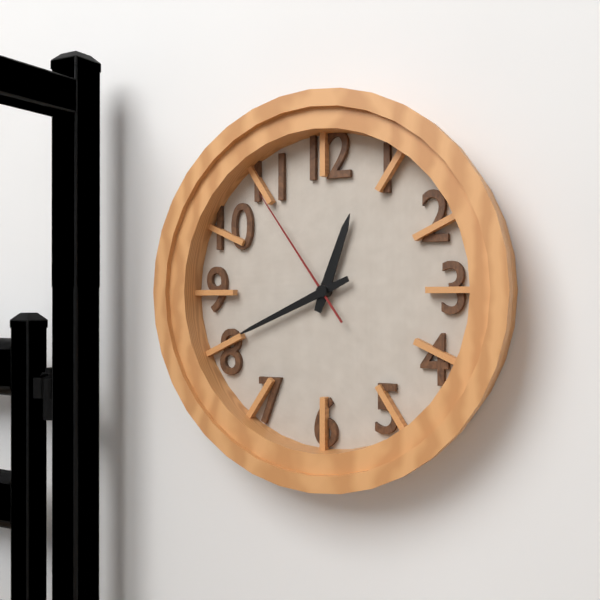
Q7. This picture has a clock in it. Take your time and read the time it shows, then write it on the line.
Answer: 12:41:54
